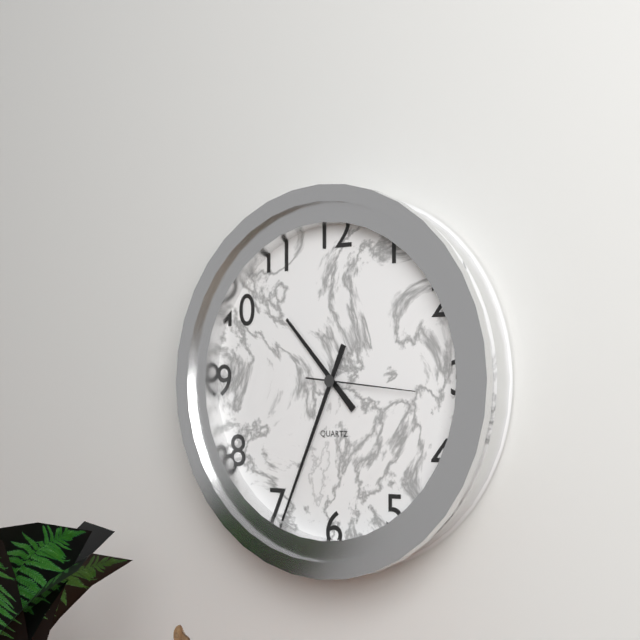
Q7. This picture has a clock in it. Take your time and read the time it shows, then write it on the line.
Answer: 10:34:16
